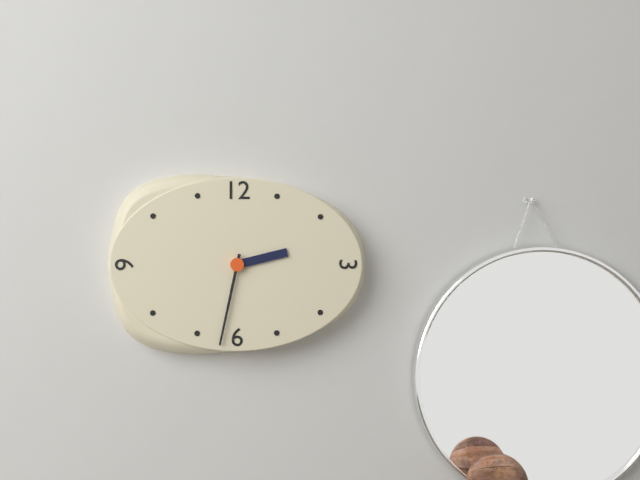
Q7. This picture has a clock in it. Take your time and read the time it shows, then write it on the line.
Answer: 2:32
